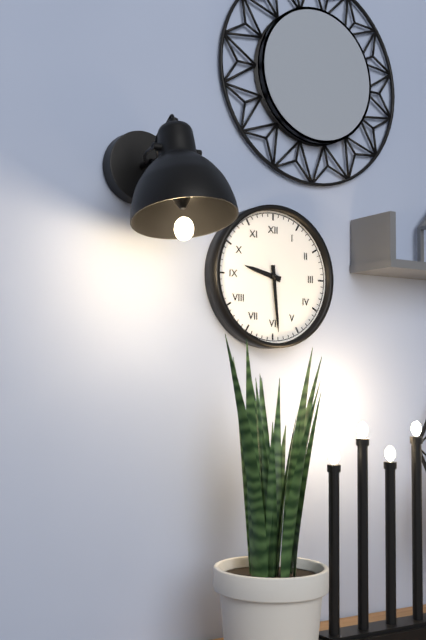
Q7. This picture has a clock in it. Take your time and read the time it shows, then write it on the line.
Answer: 9:29
